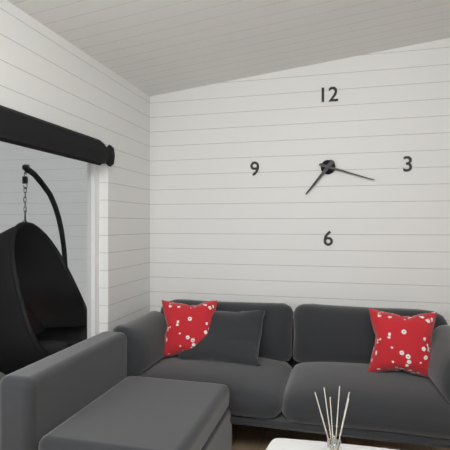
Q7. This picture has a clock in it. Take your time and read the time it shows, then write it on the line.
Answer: 7:18
